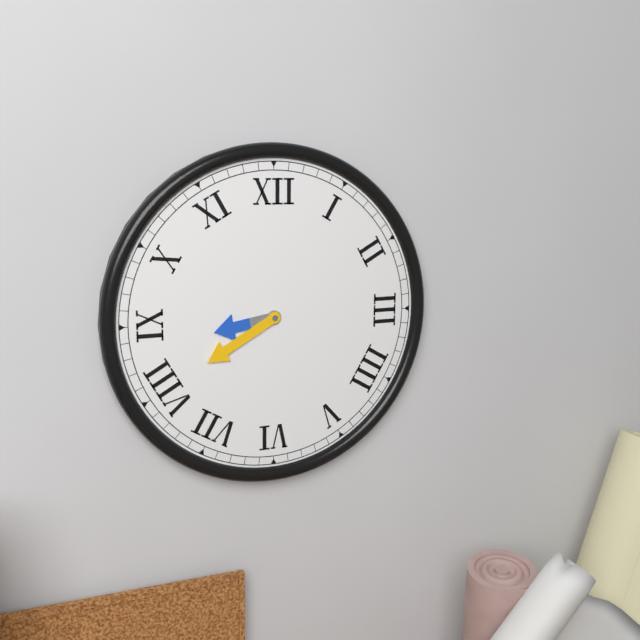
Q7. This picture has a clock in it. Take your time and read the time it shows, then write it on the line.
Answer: 8:40
